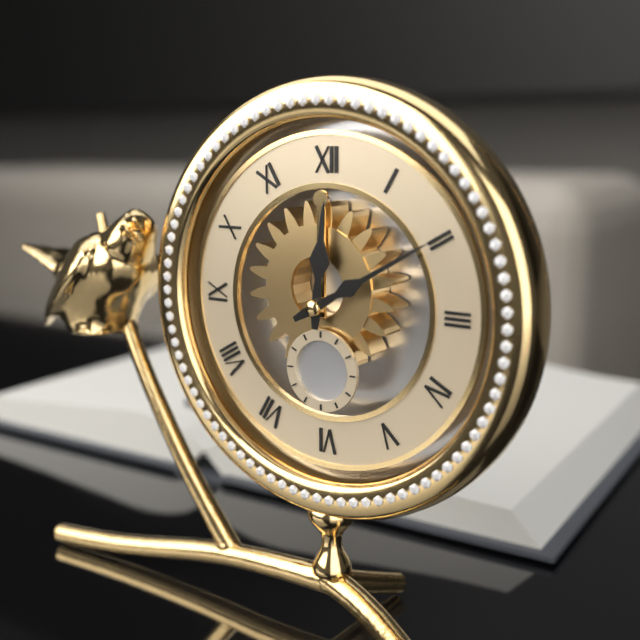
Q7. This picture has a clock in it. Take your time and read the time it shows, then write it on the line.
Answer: 12:10
